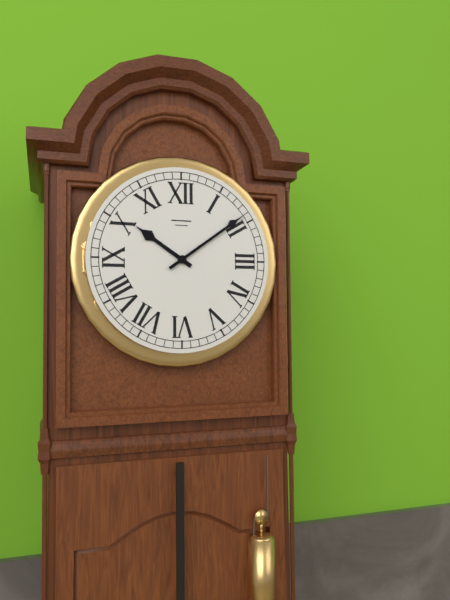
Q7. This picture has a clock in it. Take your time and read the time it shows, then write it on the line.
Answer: 10:09
